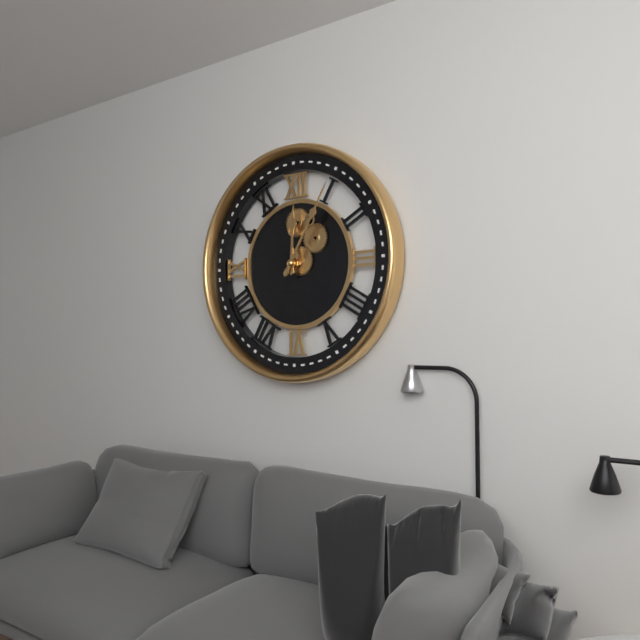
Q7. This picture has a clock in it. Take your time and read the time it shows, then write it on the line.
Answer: 12:05
